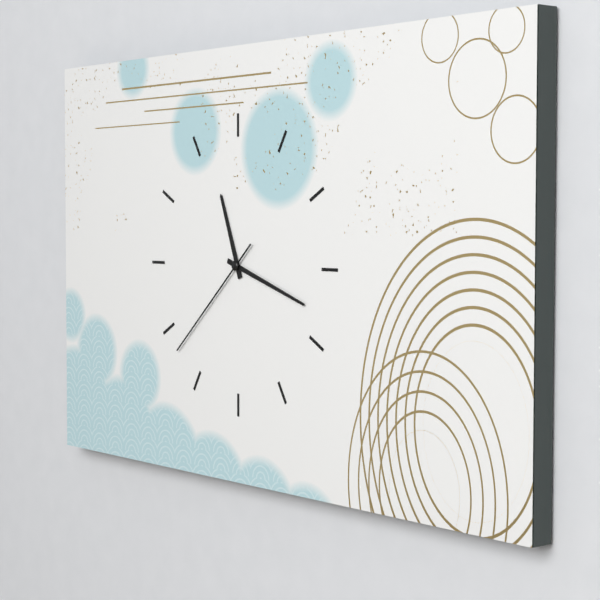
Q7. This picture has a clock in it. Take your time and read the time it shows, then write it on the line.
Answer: 11:18:38
